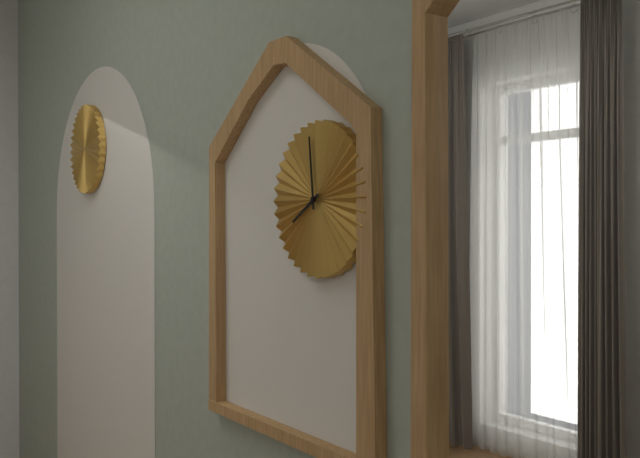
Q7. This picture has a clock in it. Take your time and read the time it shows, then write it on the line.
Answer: 7:59
